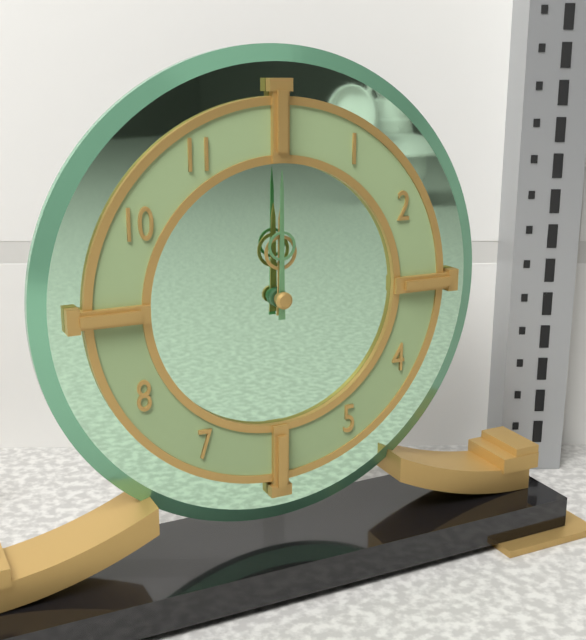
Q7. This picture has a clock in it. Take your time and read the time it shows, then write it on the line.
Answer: 12:00
